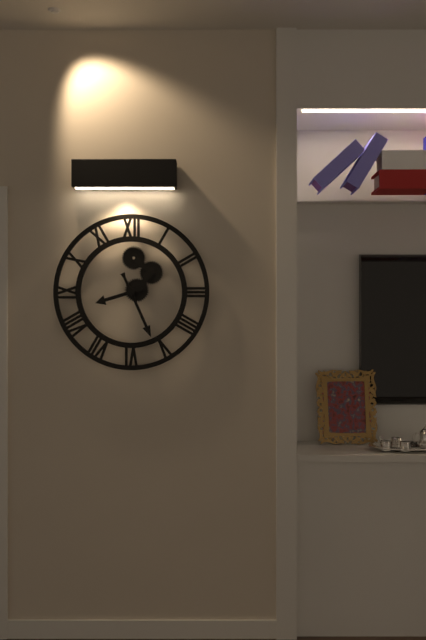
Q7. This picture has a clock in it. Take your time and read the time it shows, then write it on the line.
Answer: 8:26
